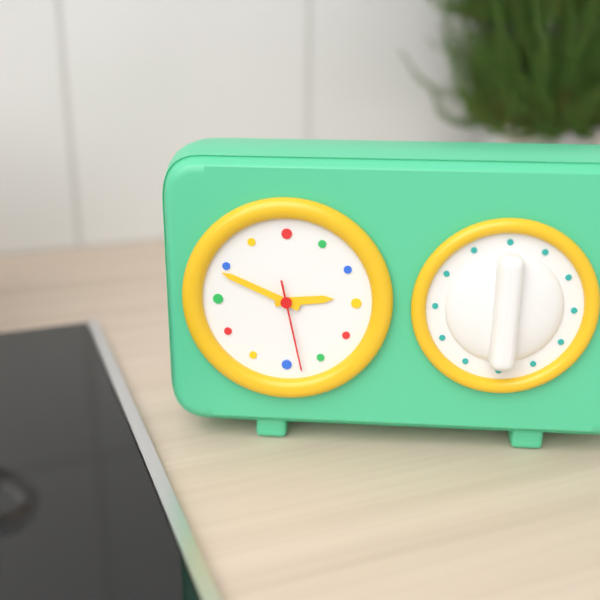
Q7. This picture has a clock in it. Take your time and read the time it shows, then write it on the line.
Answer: 2:49:28
